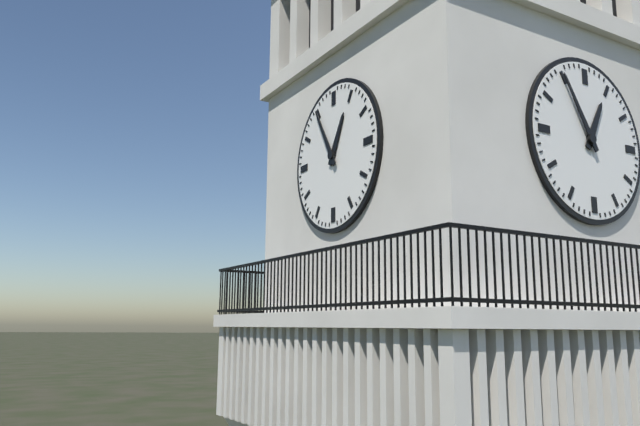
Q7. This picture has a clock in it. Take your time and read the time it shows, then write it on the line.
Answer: 12:55
